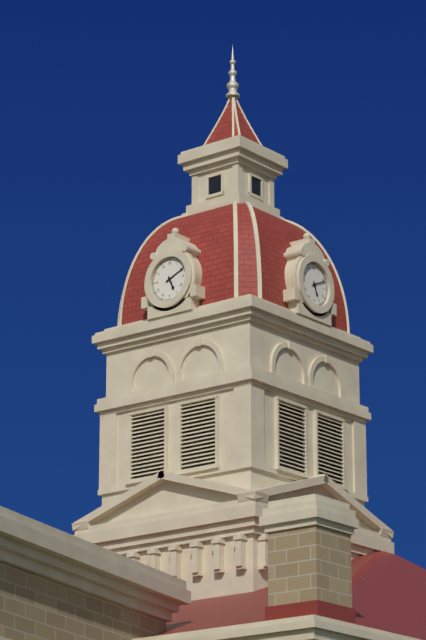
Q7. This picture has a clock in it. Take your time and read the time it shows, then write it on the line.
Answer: 5:11
